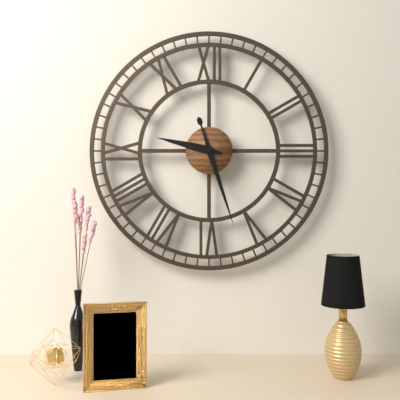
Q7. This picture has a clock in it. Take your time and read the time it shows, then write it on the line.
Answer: 9:27
